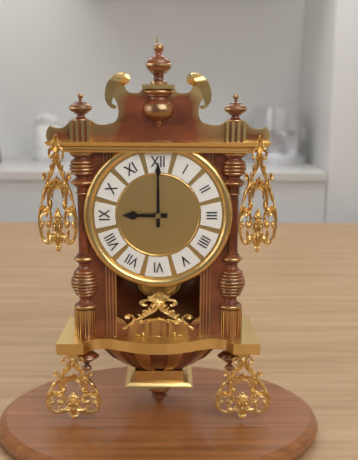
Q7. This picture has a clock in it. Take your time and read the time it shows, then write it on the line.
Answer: 9:00
